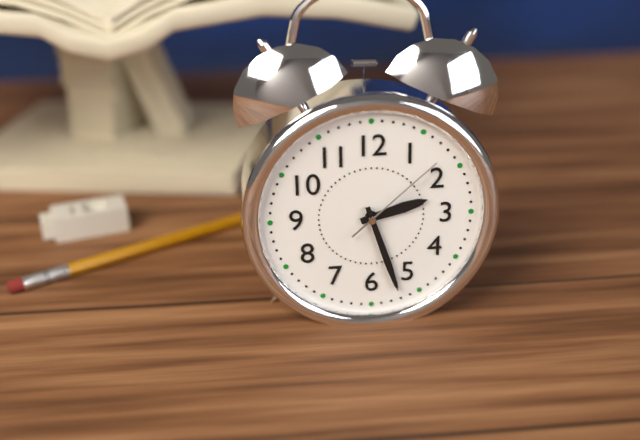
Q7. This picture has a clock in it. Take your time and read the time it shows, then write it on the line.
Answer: 2:27:08
